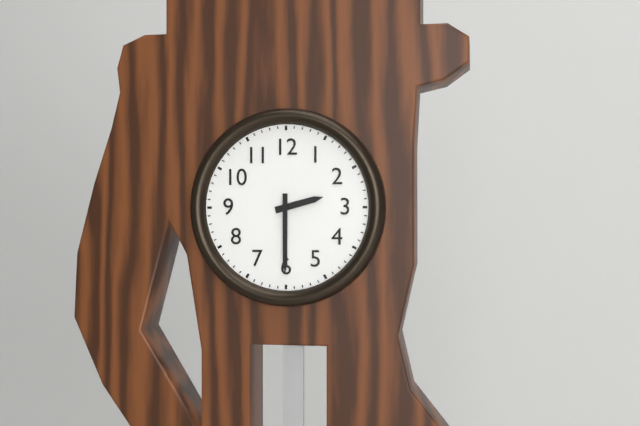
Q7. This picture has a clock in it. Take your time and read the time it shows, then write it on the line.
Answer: 2:30
